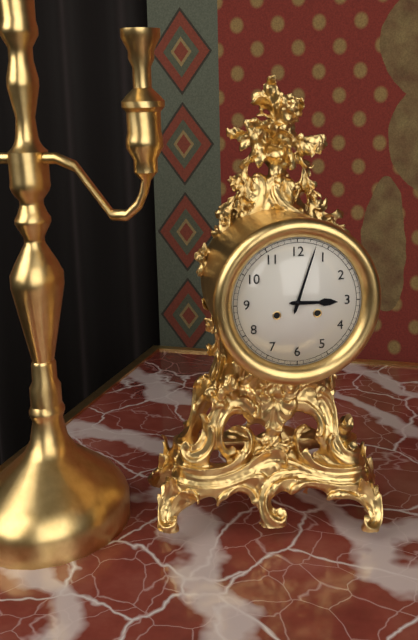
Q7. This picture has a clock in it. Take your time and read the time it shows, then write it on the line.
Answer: 3:03
